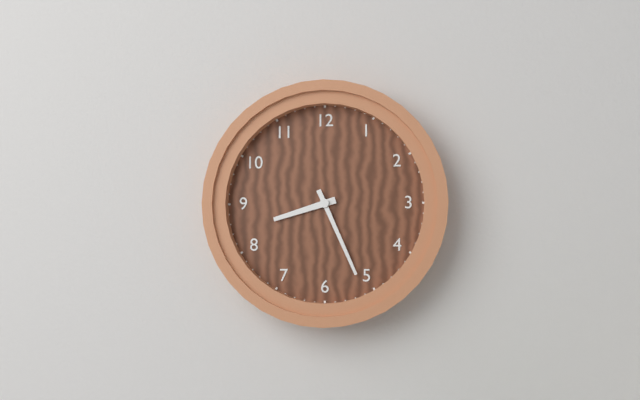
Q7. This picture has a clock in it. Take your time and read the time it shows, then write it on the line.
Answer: 8:26
